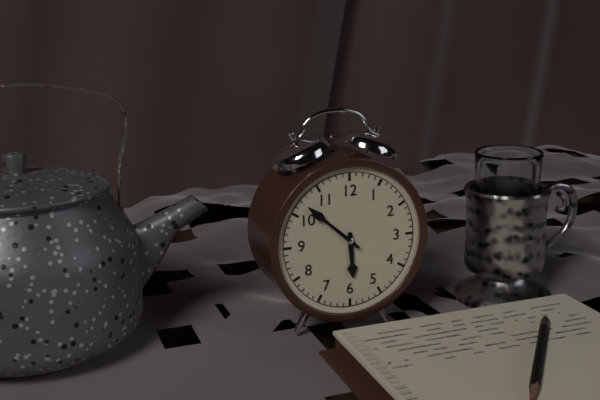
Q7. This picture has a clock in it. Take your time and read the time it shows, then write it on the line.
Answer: 5:52
